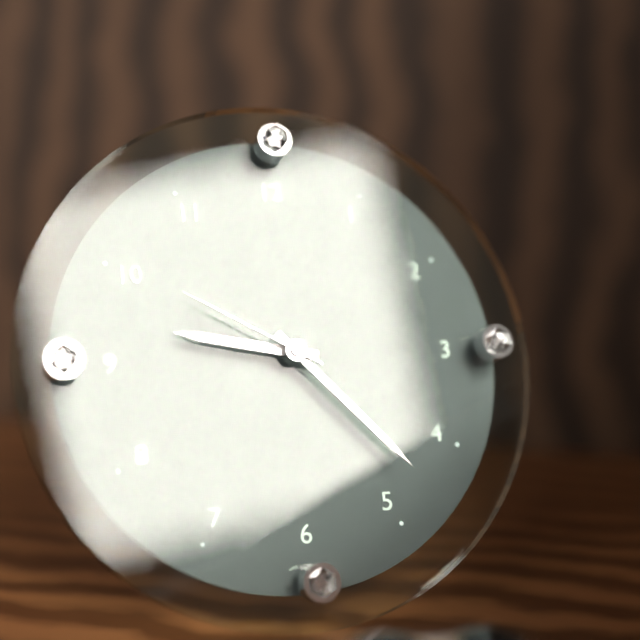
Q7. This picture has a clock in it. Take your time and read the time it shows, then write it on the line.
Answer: 9:23:50
